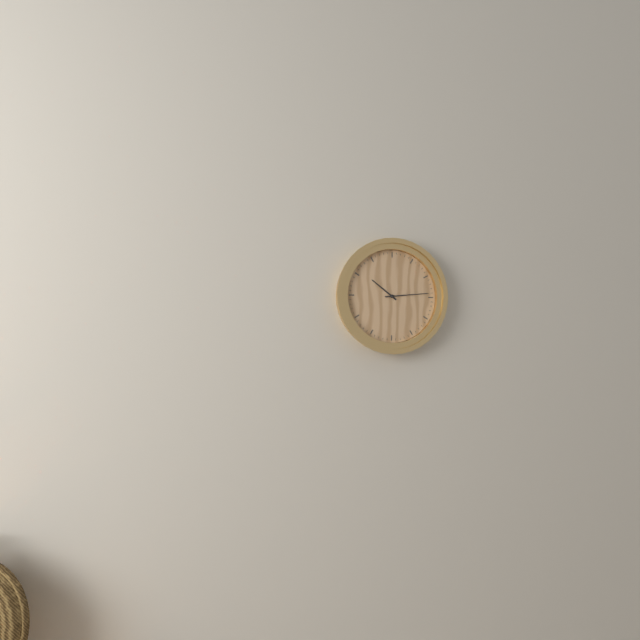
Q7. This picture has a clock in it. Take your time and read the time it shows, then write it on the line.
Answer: 10:14
